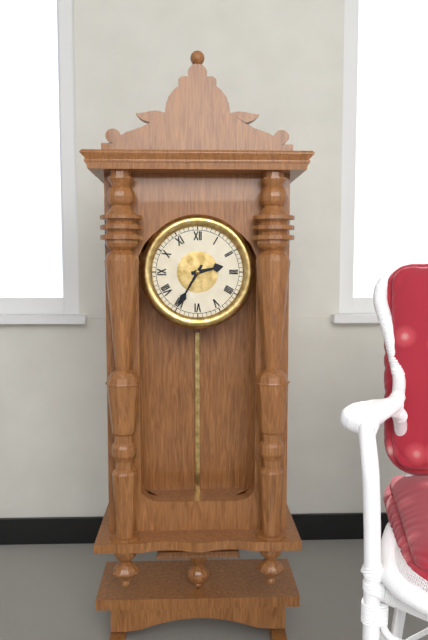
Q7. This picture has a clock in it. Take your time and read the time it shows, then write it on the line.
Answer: 2:35
